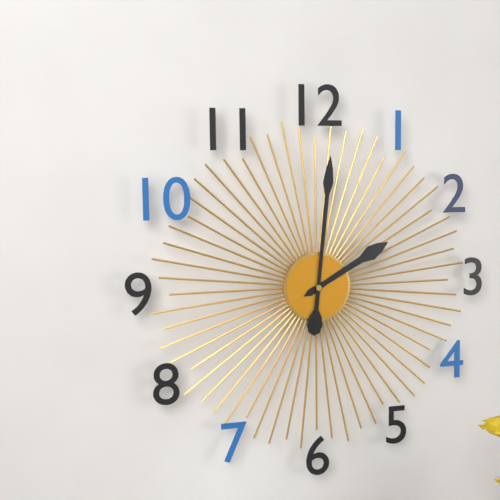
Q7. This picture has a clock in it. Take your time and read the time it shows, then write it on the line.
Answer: 2:01
